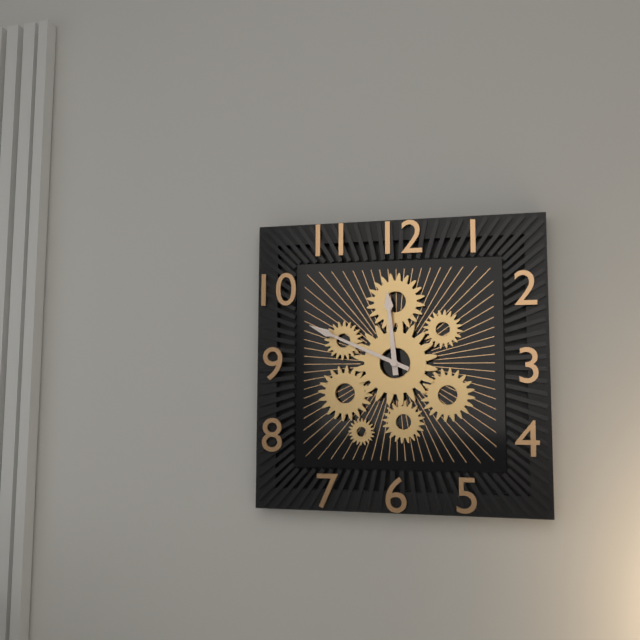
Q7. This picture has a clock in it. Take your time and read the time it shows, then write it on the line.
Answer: 11:49
